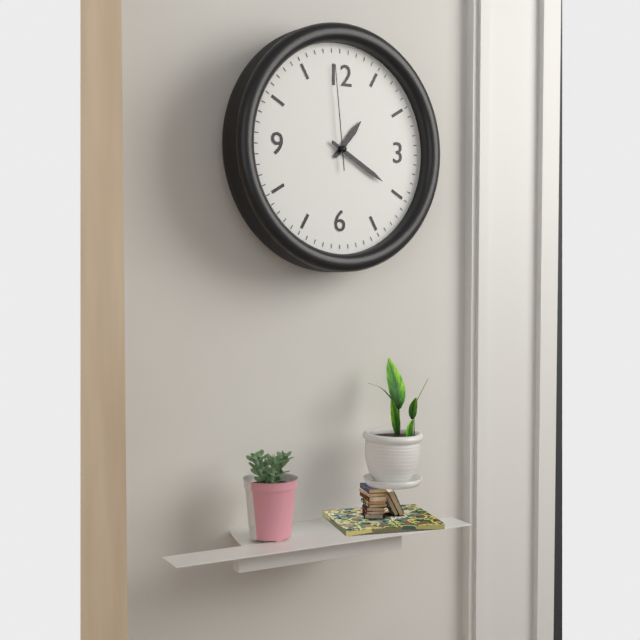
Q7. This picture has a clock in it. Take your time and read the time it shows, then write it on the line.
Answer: 1:20:59
